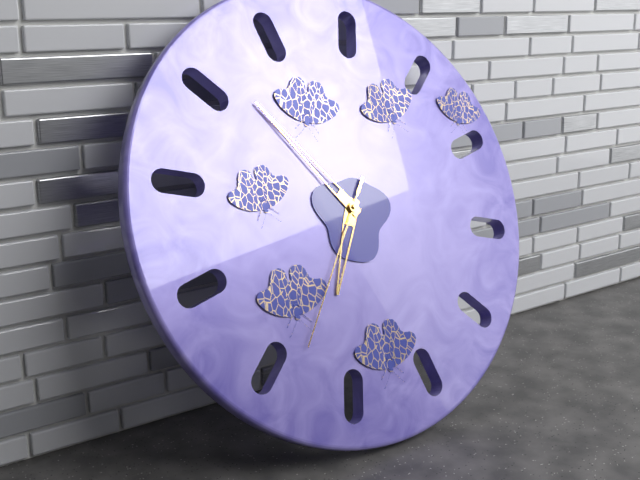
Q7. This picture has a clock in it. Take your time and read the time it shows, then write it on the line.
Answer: 6:54:36
